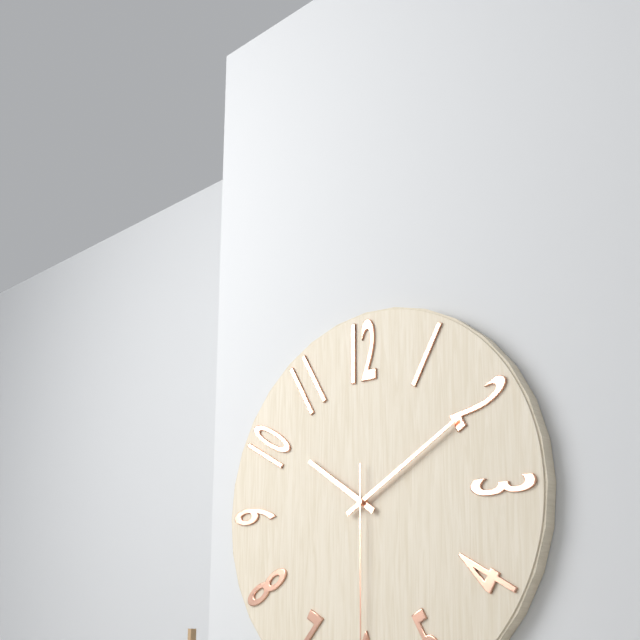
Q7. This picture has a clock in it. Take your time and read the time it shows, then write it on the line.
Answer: 10:10
